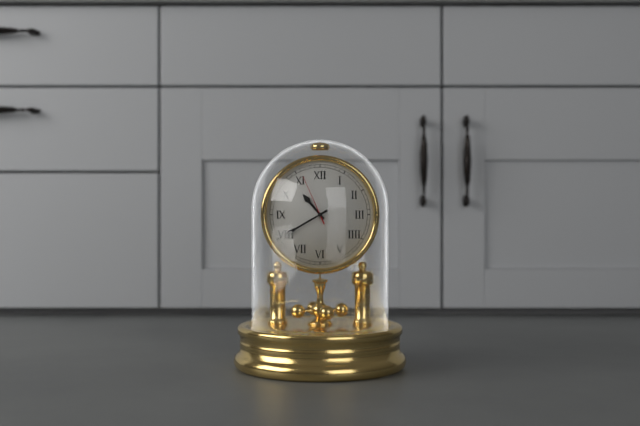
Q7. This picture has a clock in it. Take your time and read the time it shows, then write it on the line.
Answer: 10:40:56
